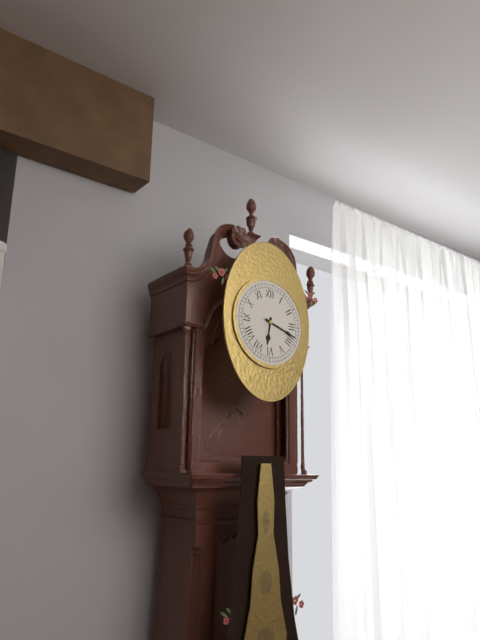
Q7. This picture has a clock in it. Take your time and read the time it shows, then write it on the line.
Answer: 6:18
